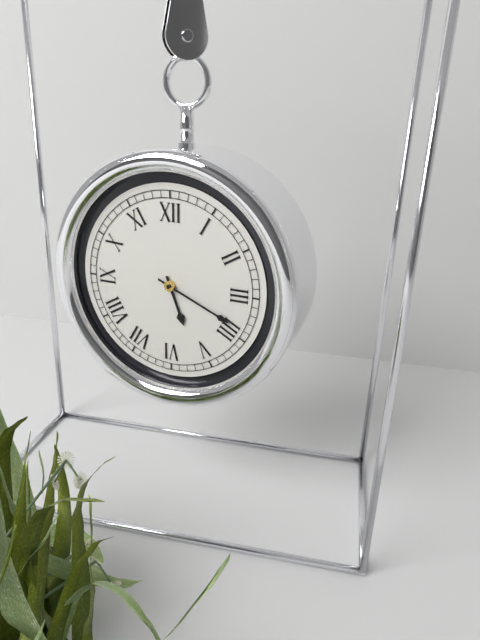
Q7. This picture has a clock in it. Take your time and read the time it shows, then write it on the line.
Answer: 5:19
